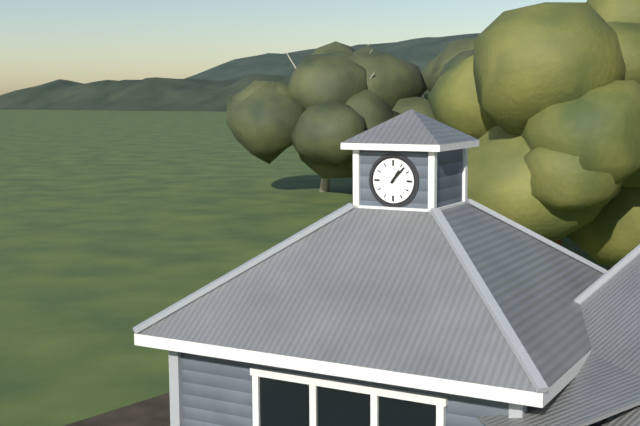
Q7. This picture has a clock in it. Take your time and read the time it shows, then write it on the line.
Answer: 1:07
